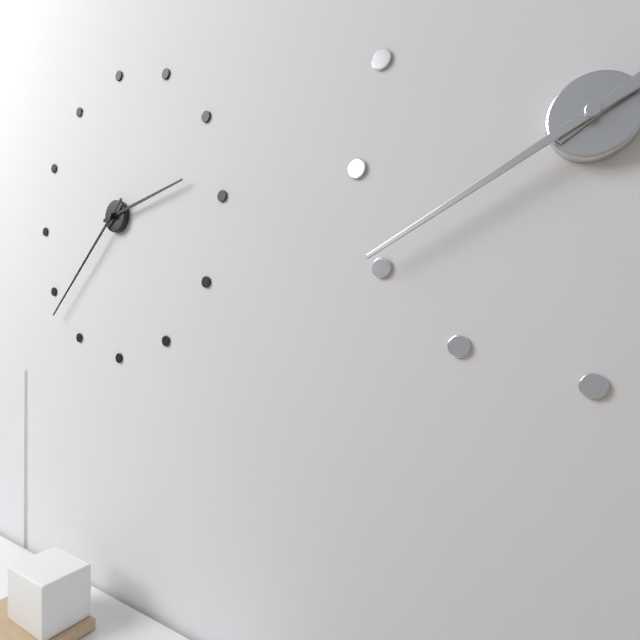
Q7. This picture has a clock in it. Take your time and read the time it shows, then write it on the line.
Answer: 2:38
